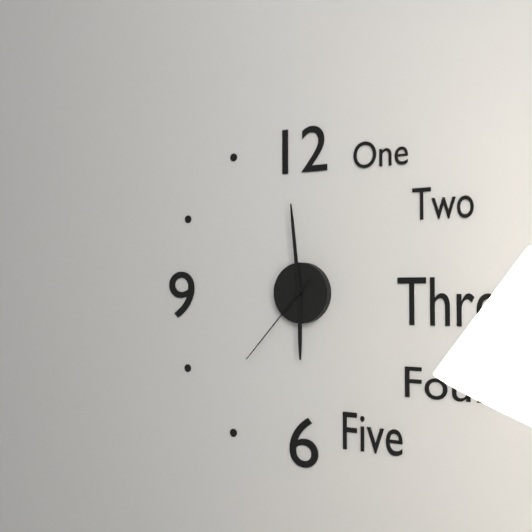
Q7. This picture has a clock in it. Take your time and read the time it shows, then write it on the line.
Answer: 5:59:37
